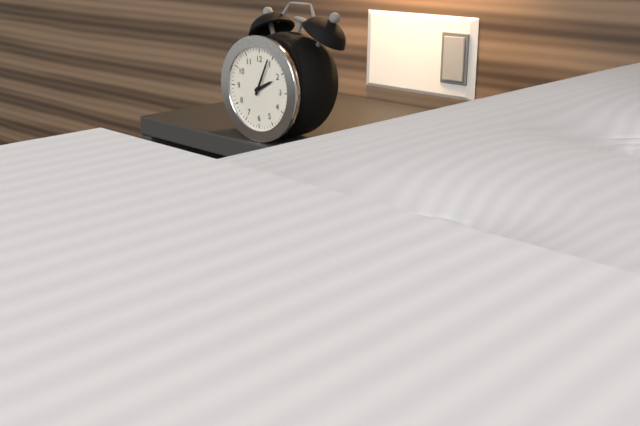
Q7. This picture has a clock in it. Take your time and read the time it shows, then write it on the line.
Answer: 2:04
